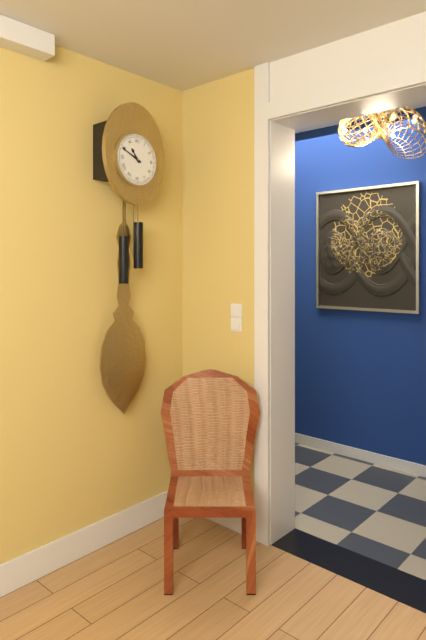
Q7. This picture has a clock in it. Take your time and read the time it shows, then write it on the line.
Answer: 10:49
